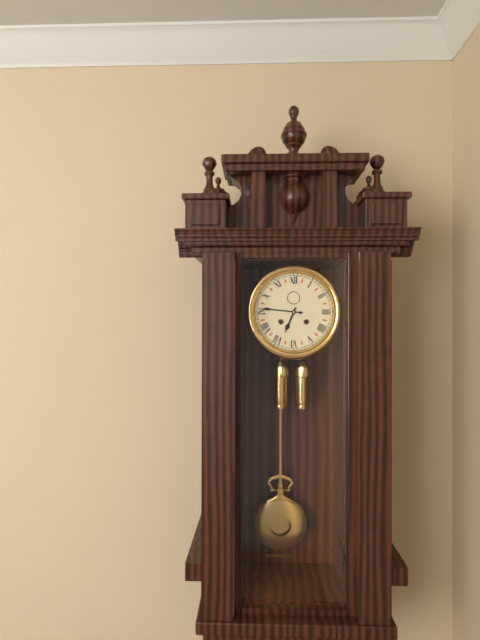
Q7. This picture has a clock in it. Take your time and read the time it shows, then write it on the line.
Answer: 6:46
